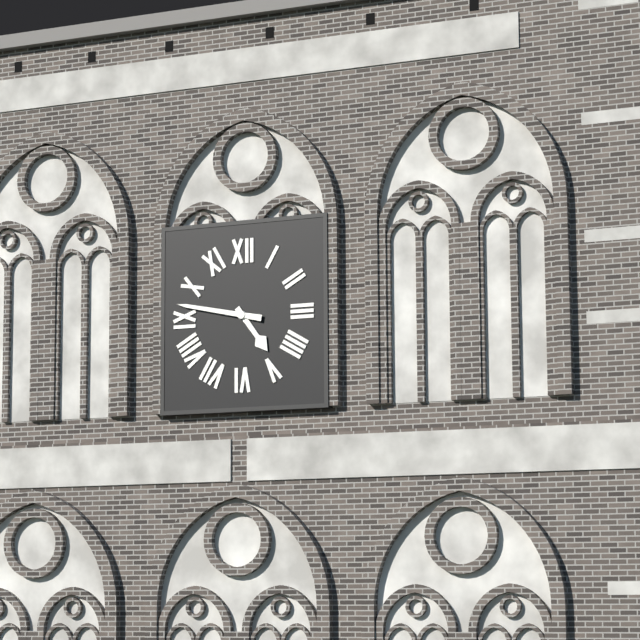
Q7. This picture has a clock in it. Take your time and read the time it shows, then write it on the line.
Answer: 4:47
